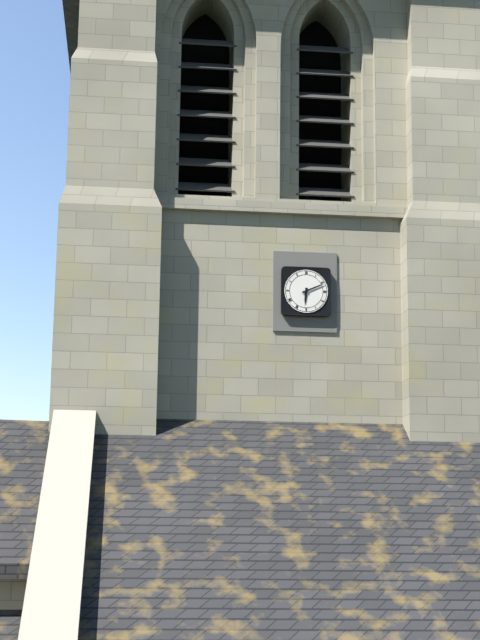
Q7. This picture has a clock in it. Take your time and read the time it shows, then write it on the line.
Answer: 6:11
